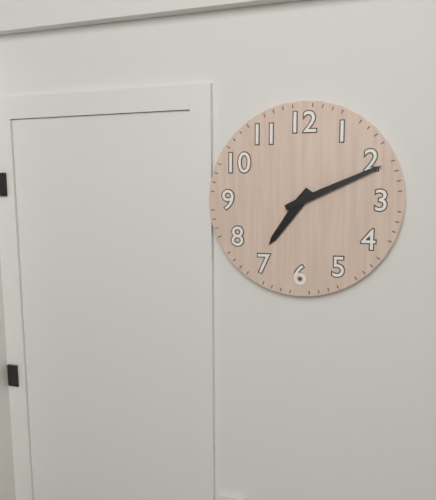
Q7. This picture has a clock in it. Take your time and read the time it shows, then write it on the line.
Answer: 7:11
